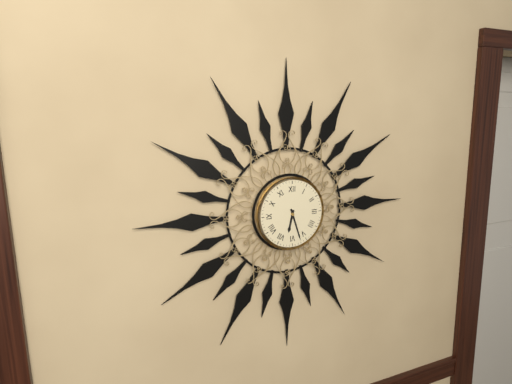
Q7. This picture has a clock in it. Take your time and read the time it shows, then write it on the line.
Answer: 6:27
